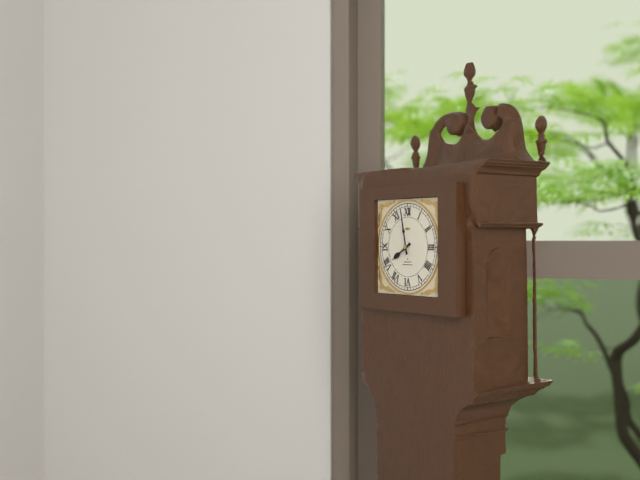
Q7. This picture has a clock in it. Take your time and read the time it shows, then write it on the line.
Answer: 7:58
